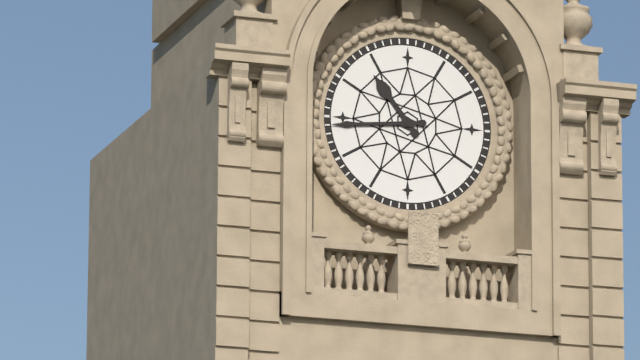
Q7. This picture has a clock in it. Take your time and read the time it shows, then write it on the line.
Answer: 10:44
